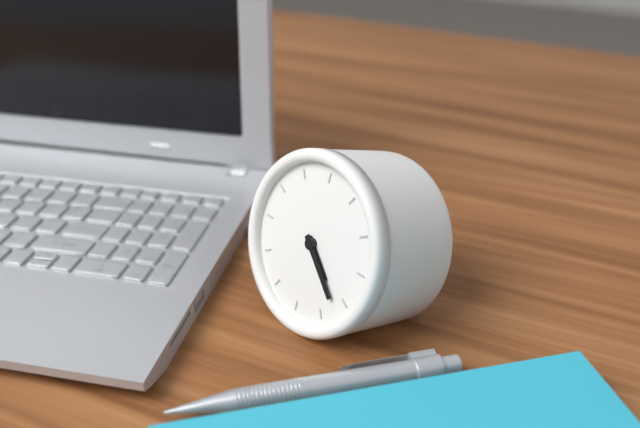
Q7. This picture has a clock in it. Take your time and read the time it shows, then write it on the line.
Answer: 4:22
